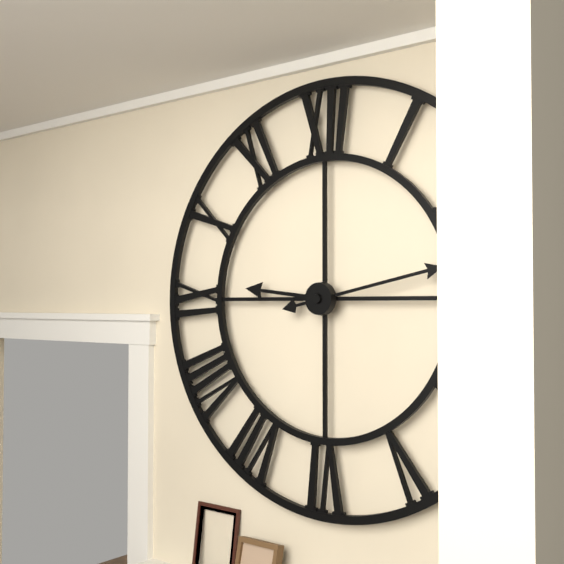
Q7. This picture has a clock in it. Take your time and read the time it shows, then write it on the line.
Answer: 9:13
